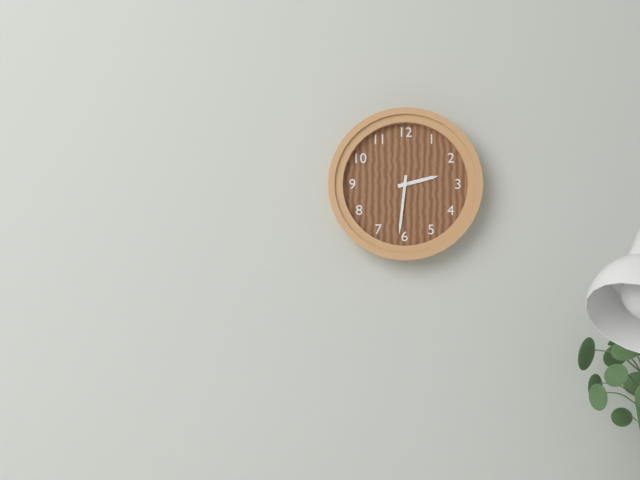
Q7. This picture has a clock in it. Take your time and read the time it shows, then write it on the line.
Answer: 2:31
